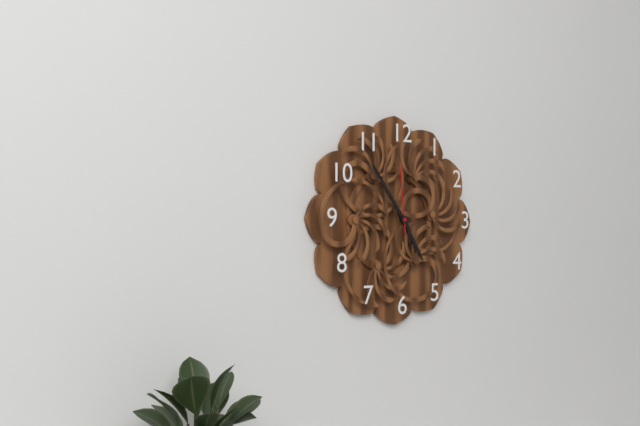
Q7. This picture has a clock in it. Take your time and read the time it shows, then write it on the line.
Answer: 4:54:59
